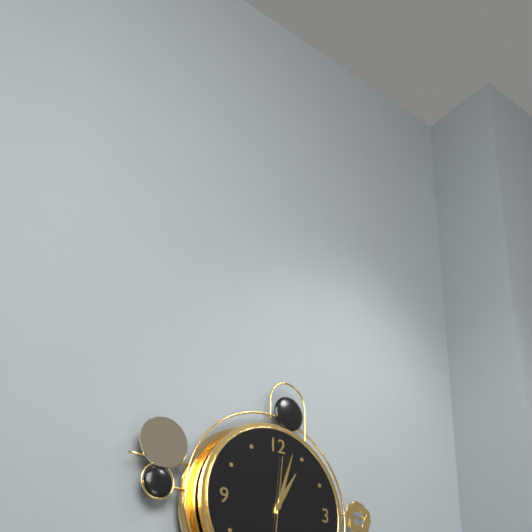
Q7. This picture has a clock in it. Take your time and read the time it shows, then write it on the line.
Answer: 1:03:01
